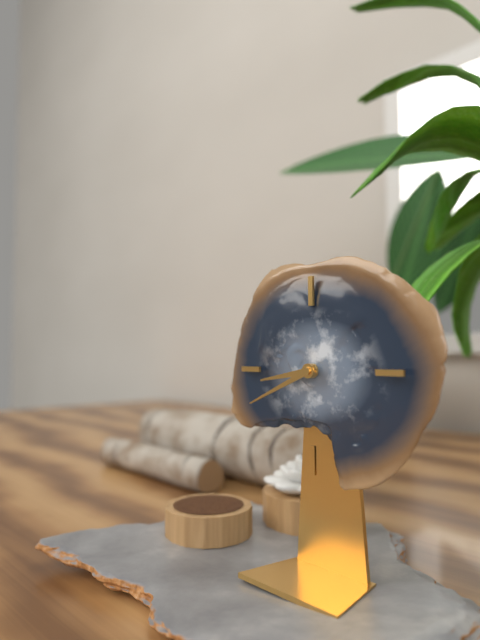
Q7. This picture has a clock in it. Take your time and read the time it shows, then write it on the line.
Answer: 8:41
